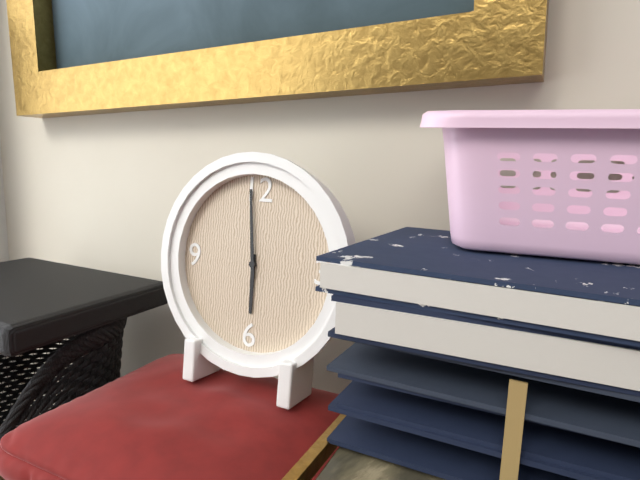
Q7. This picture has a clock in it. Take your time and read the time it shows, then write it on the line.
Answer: 5:59
